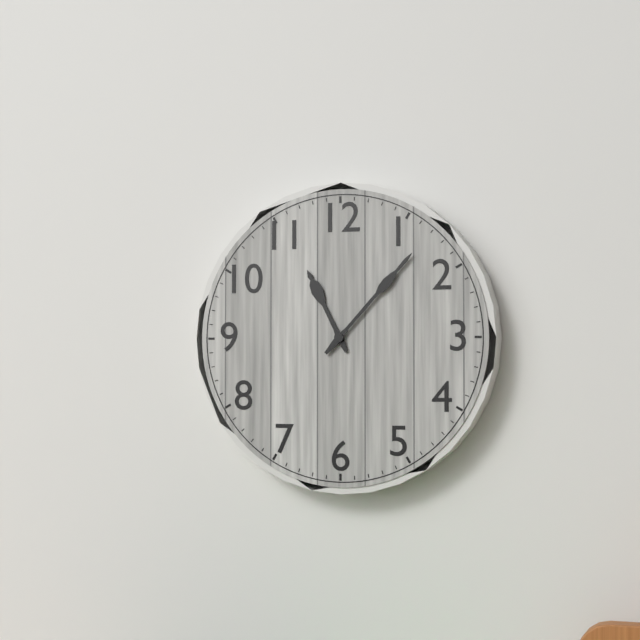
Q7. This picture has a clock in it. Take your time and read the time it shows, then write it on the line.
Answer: 11:07
